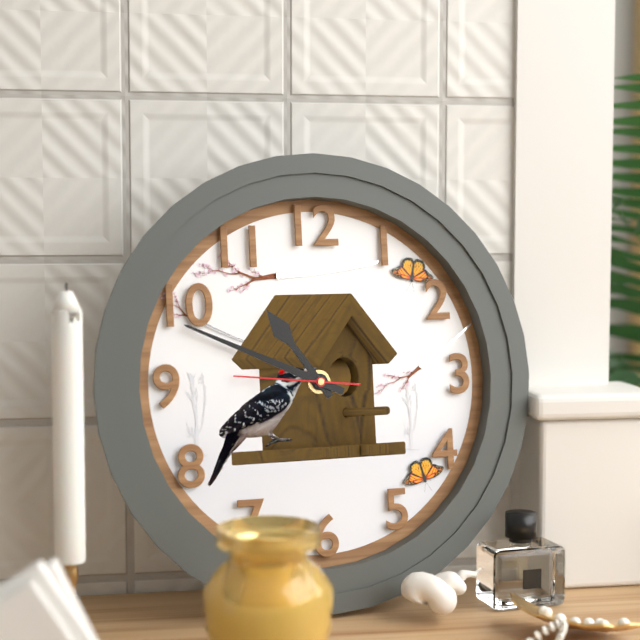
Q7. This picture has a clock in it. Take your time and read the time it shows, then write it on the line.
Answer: 10:49:46
